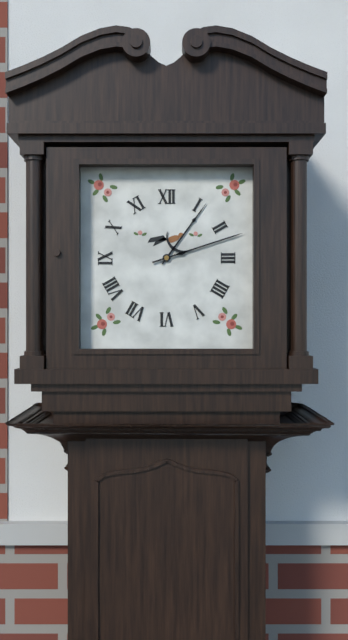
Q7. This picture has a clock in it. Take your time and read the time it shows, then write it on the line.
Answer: 1:12
